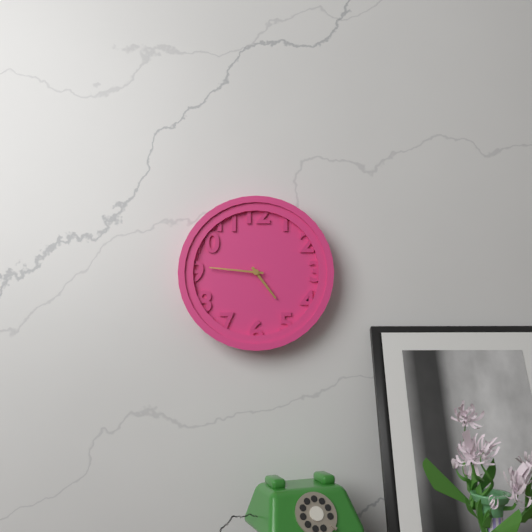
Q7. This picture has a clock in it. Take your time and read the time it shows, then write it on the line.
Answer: 4:46
